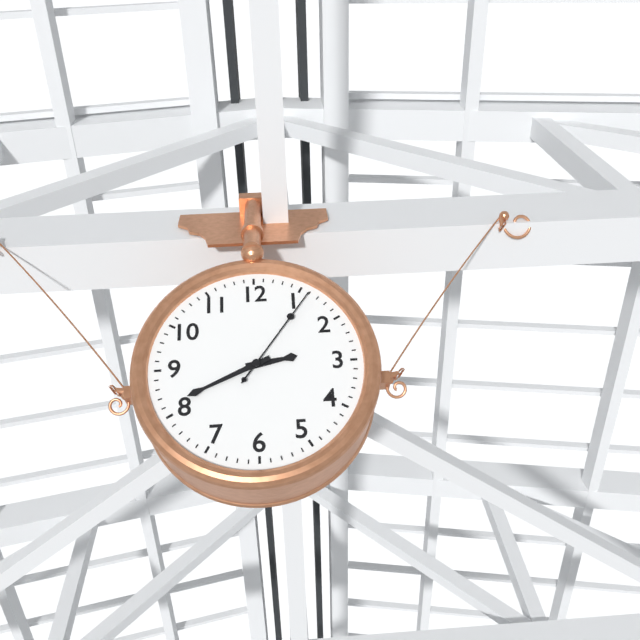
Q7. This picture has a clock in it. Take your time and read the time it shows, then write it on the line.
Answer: 2:41:06
